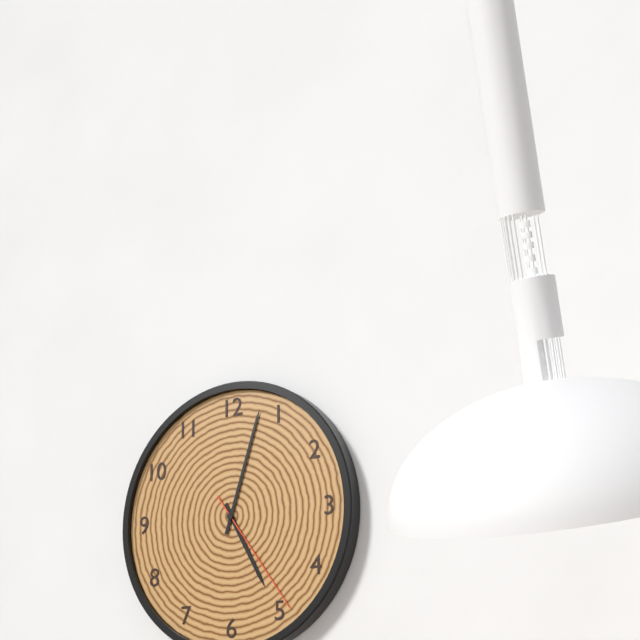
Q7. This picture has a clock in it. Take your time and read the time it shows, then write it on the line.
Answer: 5:03:24
